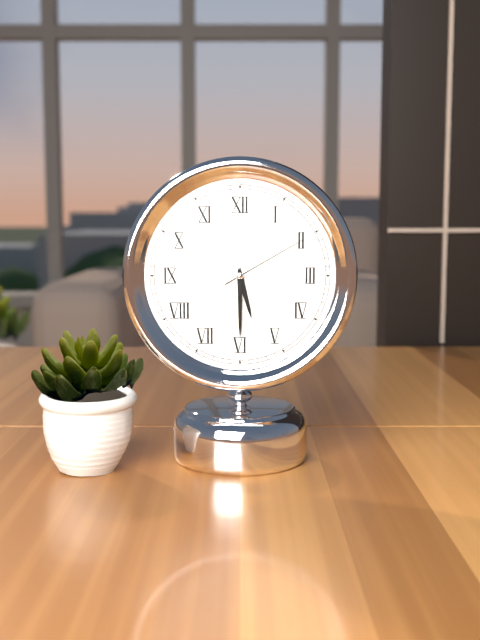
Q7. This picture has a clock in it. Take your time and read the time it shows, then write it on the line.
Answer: 5:30:10
